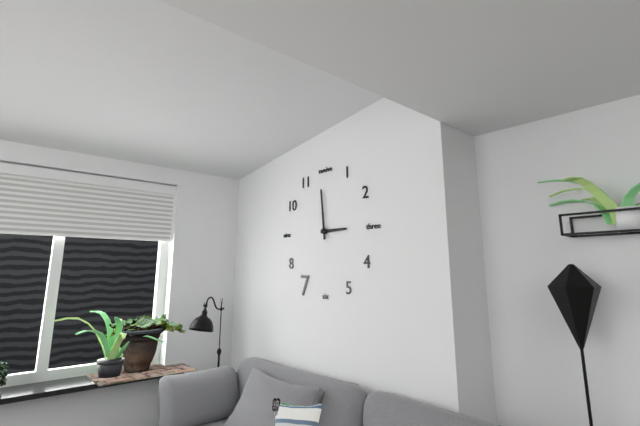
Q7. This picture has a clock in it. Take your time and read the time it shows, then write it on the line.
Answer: 2:59
